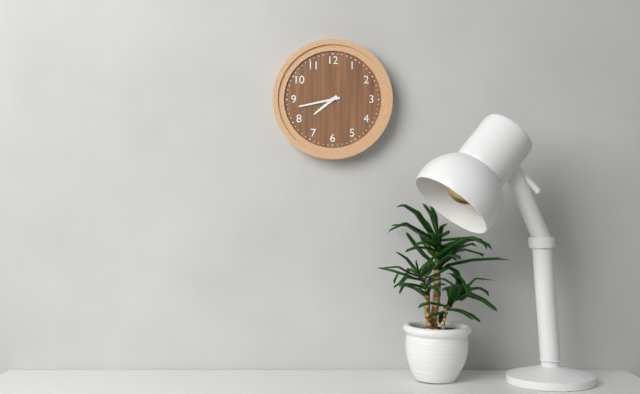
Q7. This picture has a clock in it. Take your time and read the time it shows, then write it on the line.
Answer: 7:43
